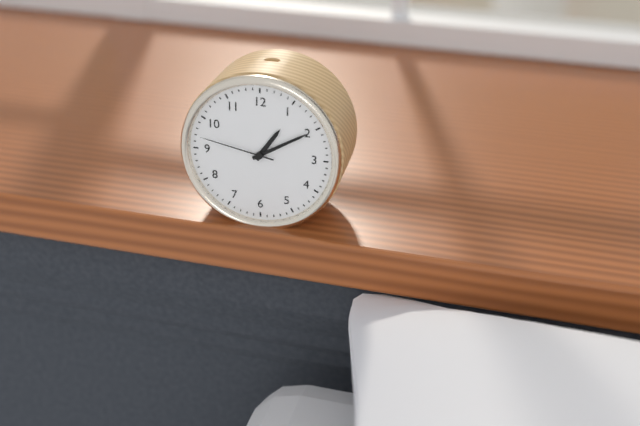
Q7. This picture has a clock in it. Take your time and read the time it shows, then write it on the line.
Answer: 1:10:47
